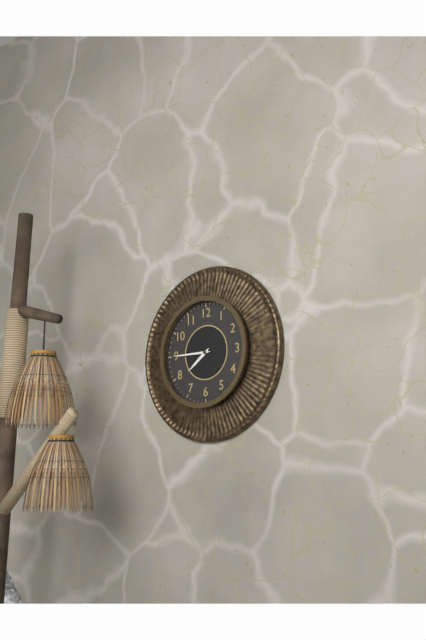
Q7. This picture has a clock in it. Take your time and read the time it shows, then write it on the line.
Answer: 7:45
